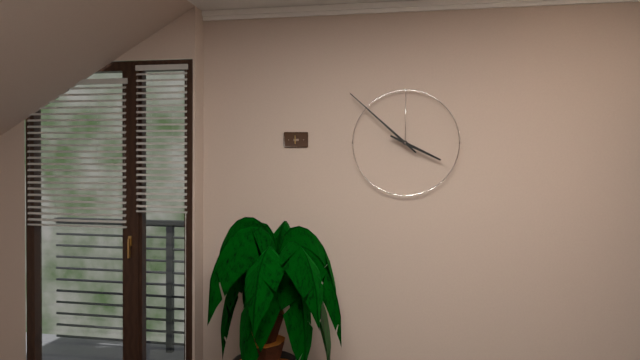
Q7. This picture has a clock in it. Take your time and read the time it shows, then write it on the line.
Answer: 3:52
